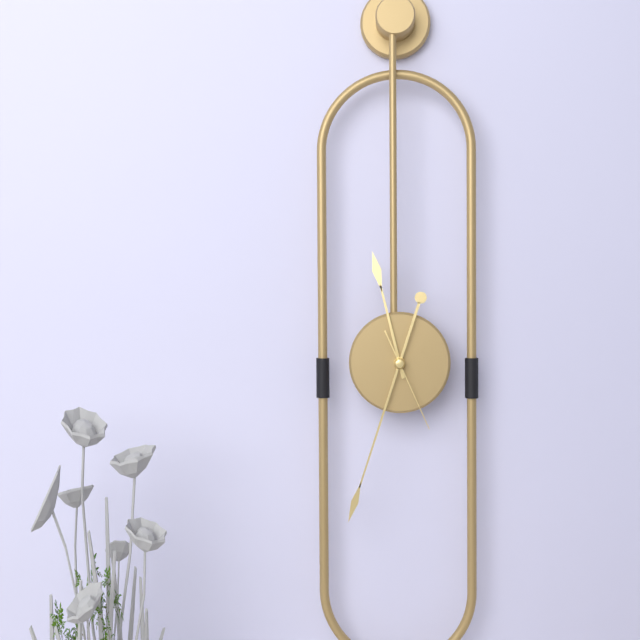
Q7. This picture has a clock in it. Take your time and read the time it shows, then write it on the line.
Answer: 11:33:26
